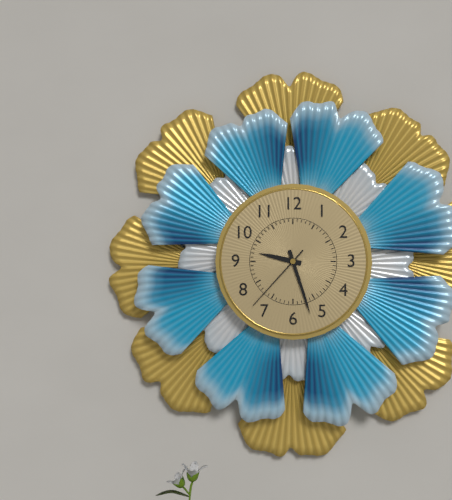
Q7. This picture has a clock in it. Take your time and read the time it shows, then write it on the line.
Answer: 9:27:37
